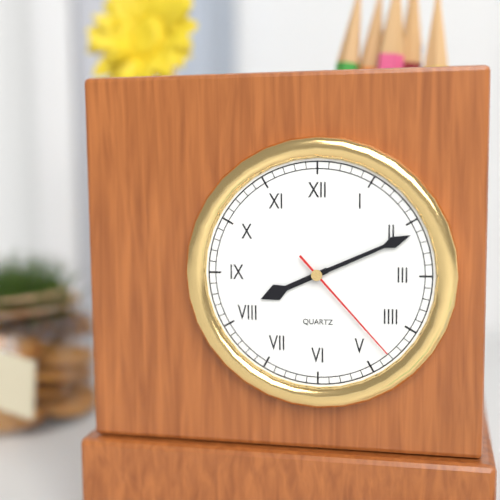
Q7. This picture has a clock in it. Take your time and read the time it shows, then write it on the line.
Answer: 8:11:23
